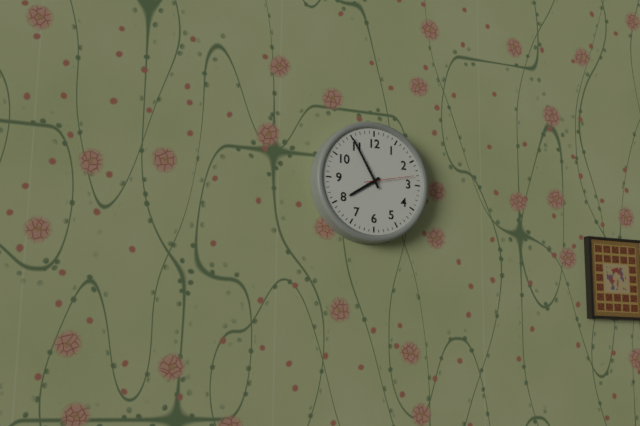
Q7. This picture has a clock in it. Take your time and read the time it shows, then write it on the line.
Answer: 7:55:13
